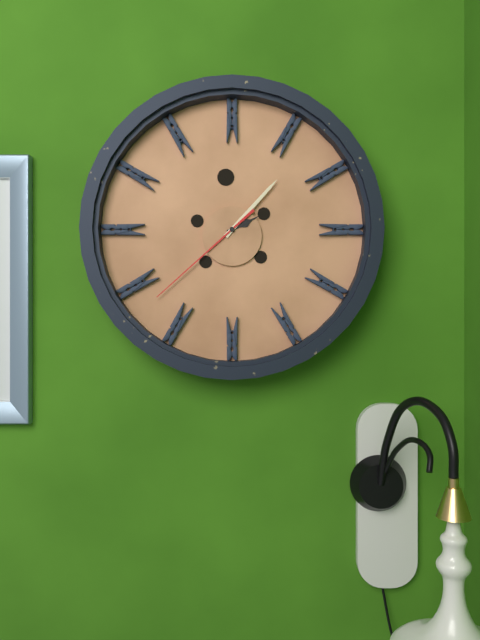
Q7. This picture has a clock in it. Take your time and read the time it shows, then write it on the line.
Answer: 2:07:38
